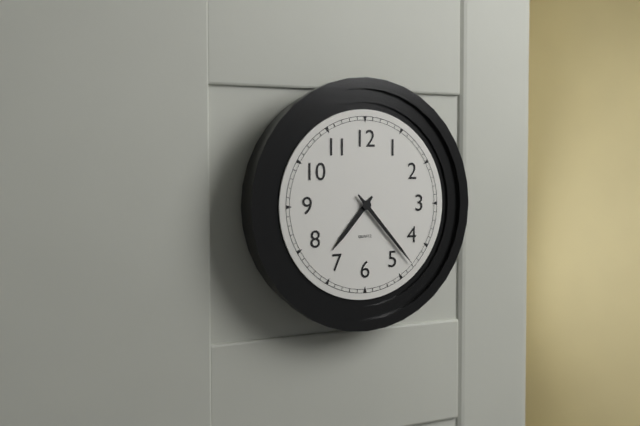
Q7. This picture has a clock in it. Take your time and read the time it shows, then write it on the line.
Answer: 7:23
